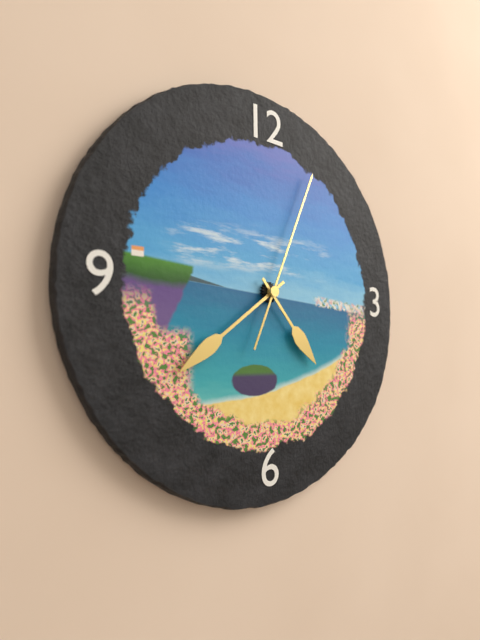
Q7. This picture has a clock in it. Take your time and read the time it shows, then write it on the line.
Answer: 4:39:04
